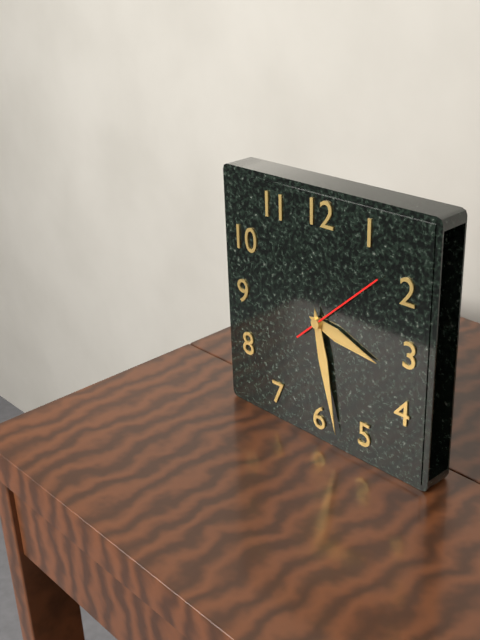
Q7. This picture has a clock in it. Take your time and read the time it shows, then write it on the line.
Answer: 3:28:08
